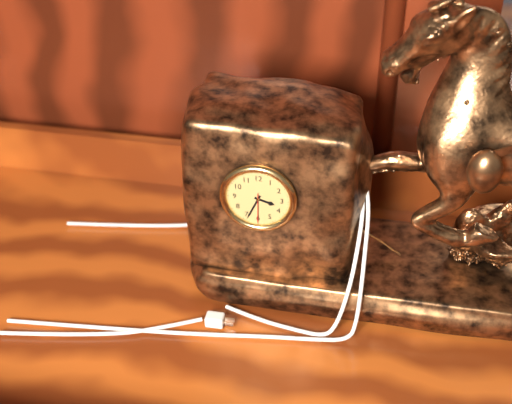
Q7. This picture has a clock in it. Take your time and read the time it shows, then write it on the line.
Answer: 3:34
